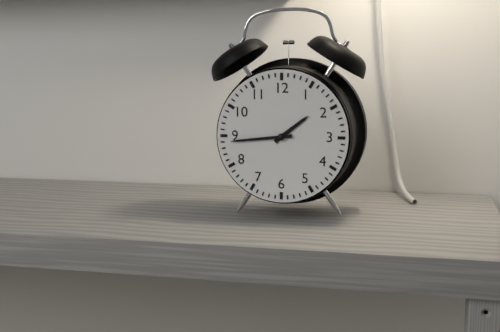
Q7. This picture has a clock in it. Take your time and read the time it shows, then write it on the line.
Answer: 1:44
